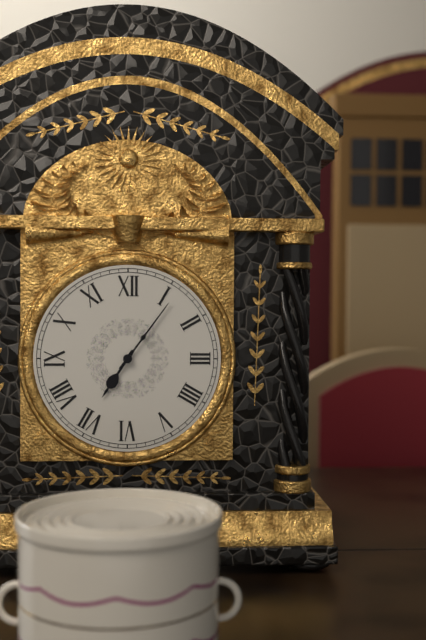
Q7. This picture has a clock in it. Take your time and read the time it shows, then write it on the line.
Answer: 7:06
